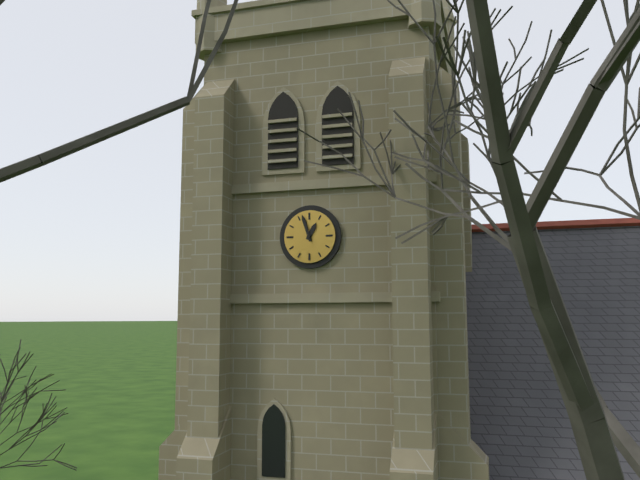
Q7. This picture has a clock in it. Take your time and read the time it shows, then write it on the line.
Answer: 12:57
